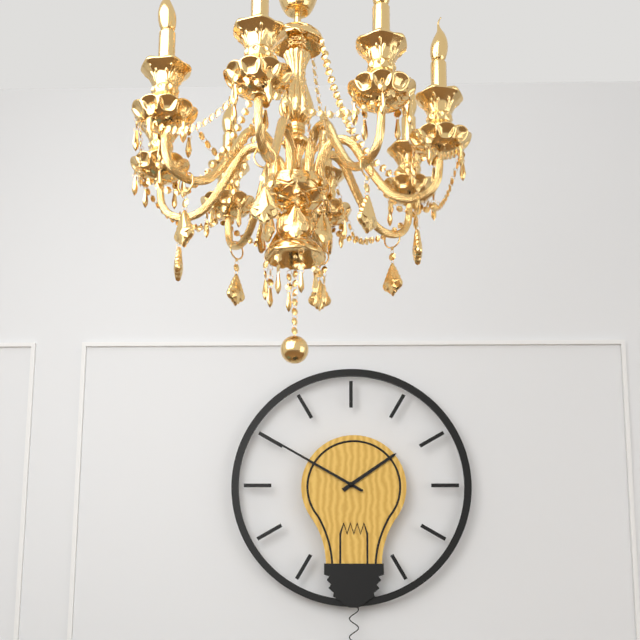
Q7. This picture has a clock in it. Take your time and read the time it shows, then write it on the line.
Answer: 1:50
